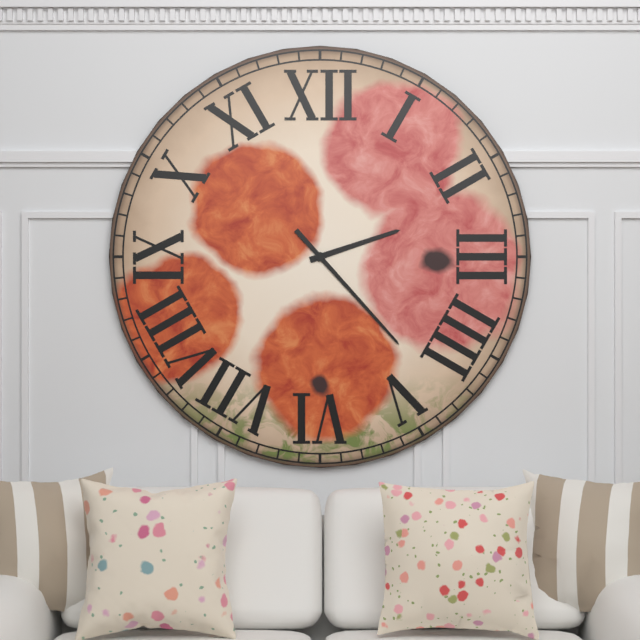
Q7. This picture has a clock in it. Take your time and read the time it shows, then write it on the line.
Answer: 2:23
